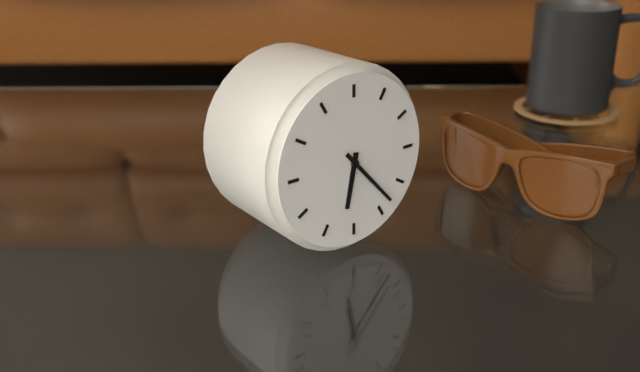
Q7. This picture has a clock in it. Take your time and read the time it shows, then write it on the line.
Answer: 6:23
